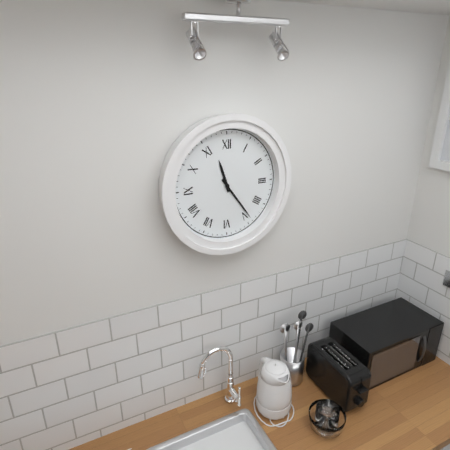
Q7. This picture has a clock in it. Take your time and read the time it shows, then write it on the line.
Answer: 11:24
